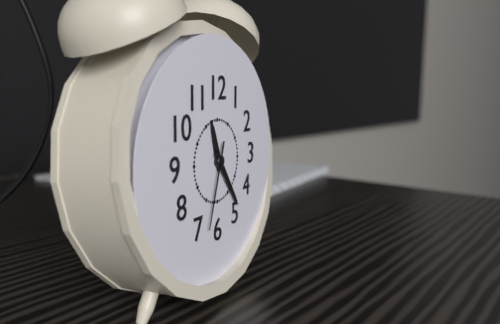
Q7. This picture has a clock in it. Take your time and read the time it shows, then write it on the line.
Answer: 11:24:33
